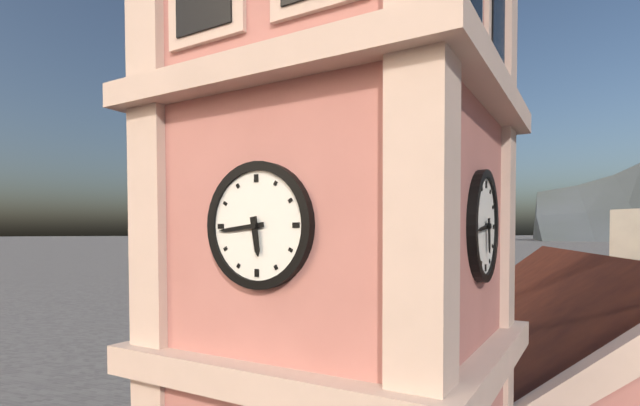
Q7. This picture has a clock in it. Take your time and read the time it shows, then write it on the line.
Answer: 5:44
